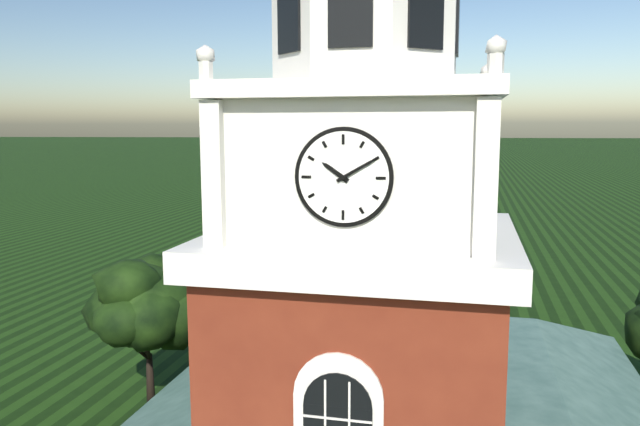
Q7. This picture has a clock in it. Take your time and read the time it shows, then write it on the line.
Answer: 10:10
